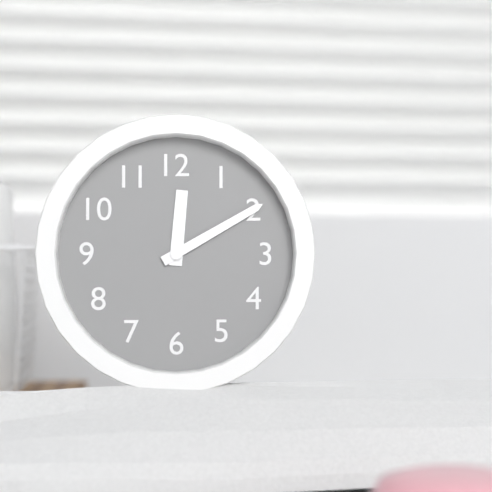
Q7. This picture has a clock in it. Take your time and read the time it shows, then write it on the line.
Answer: 12:10
